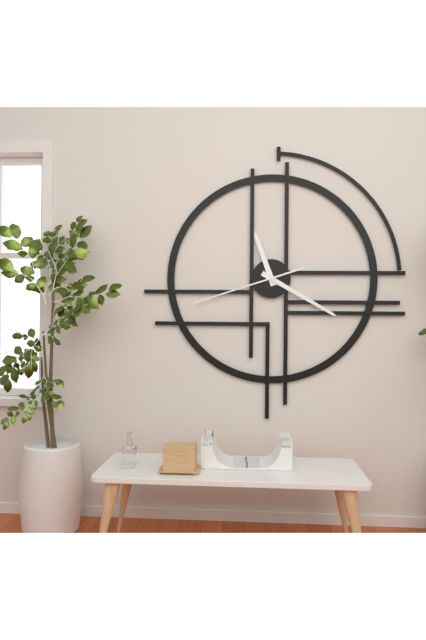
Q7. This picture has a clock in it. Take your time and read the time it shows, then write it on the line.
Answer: 11:20:42
